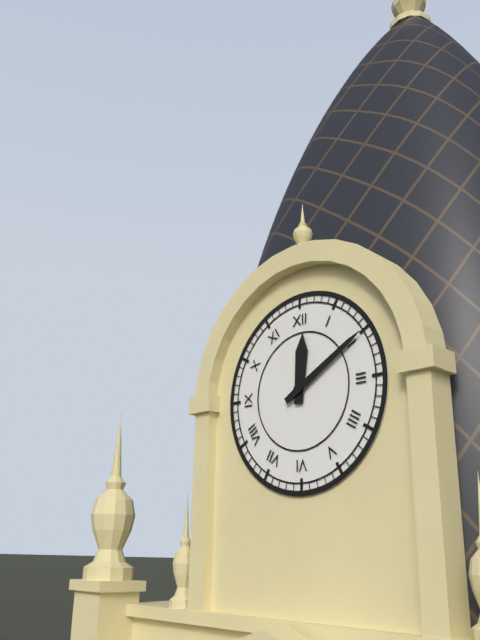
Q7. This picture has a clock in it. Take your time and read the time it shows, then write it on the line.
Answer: 12:10
